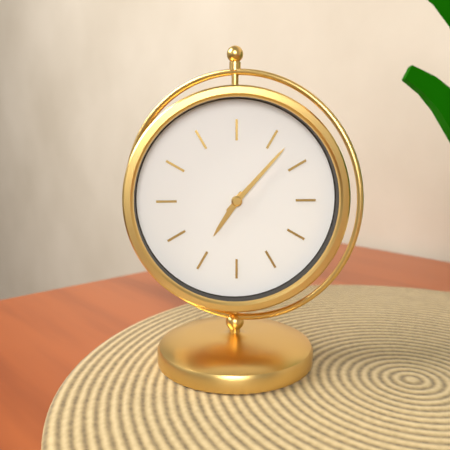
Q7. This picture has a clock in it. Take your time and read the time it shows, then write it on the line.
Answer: 7:07
